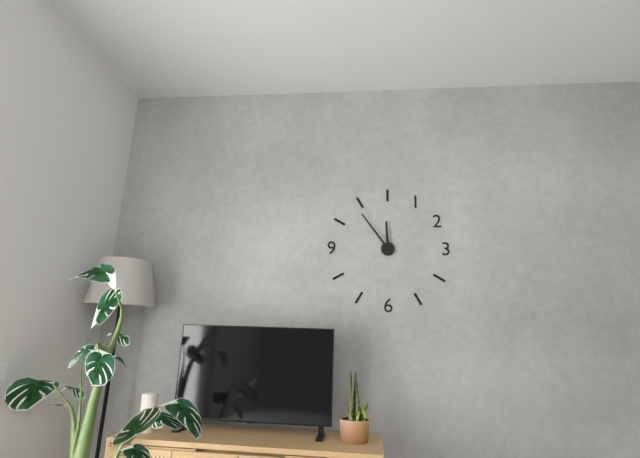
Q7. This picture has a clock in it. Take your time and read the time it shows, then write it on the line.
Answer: 11:54
